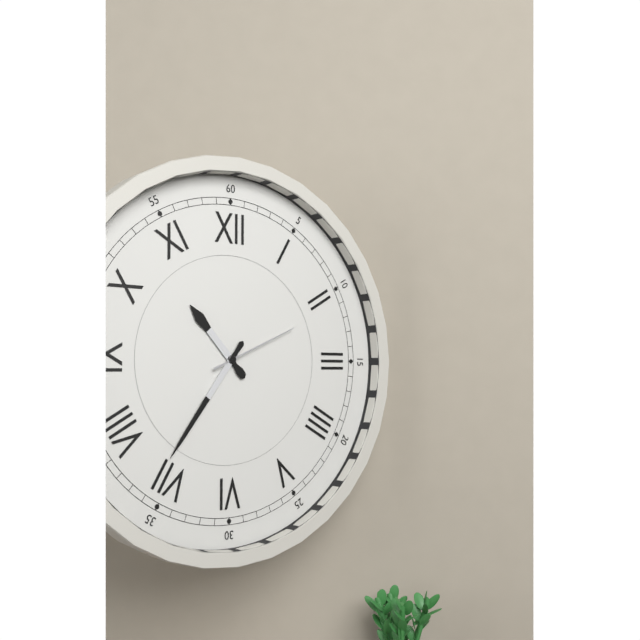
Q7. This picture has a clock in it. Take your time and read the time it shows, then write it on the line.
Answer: 10:36:11
